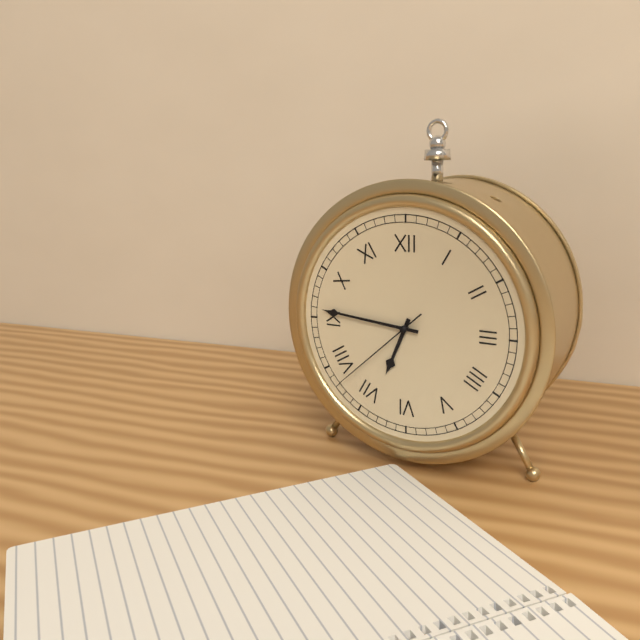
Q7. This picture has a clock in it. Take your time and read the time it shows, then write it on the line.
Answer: 6:46:38
